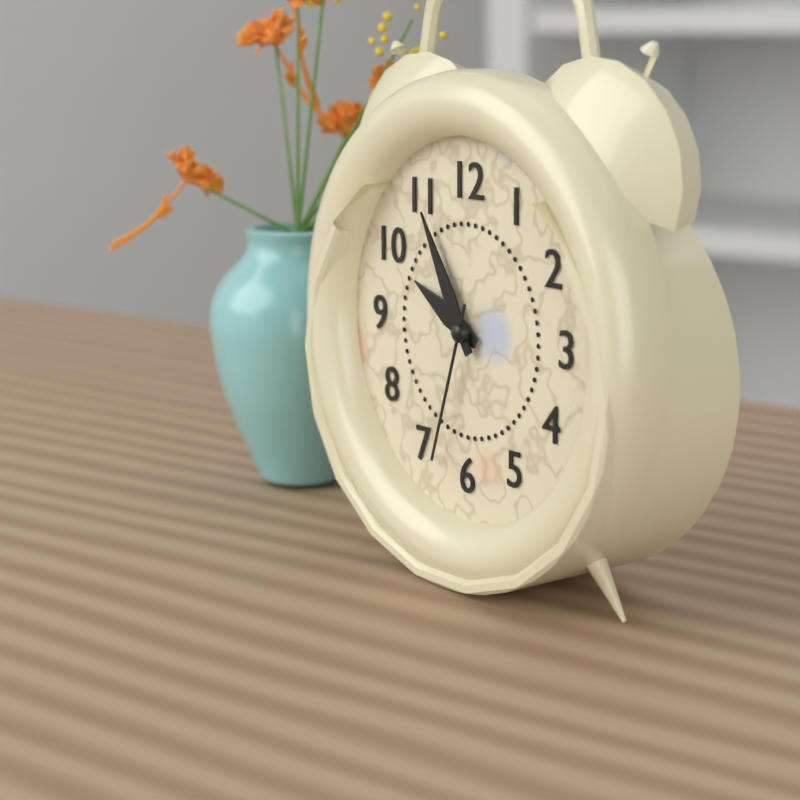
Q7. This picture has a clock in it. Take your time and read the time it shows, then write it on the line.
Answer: 9:55:33
